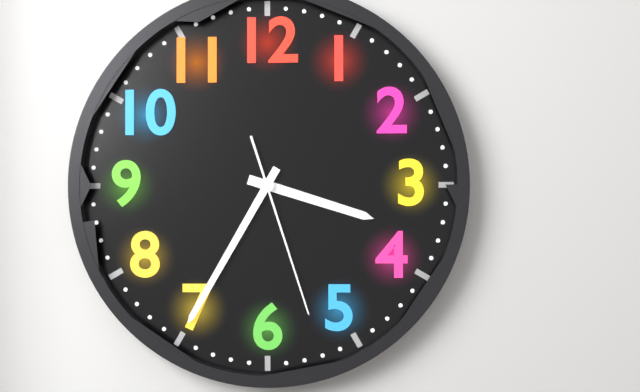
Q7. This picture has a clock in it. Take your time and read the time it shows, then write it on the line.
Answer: 3:35:27
